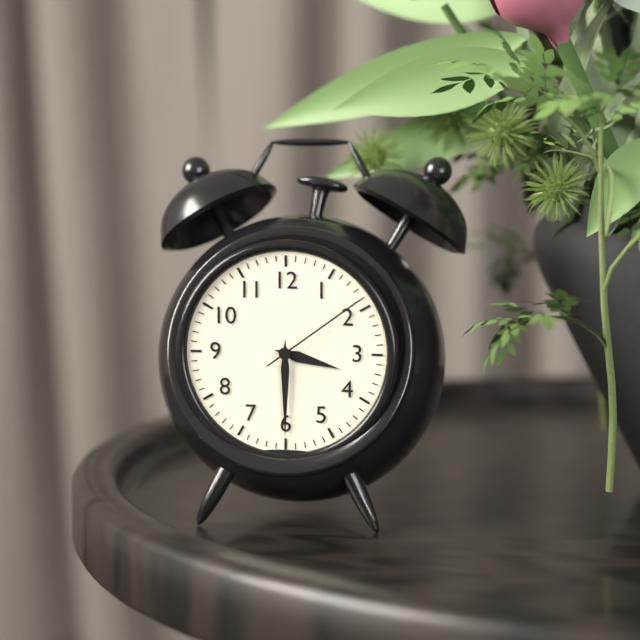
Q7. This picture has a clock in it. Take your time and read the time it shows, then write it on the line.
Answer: 3:30:09
